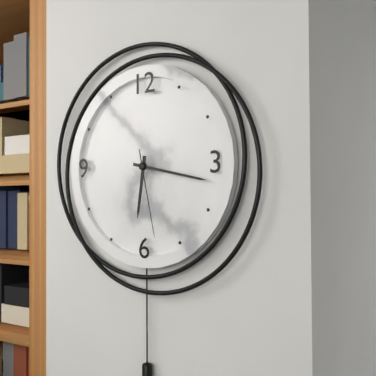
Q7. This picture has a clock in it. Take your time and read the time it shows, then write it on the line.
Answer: 6:17:28
